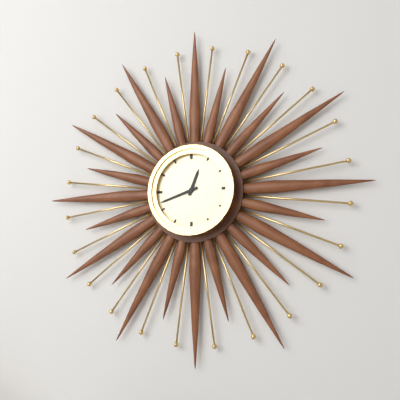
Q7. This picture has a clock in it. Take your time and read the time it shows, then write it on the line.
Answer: 12:42
